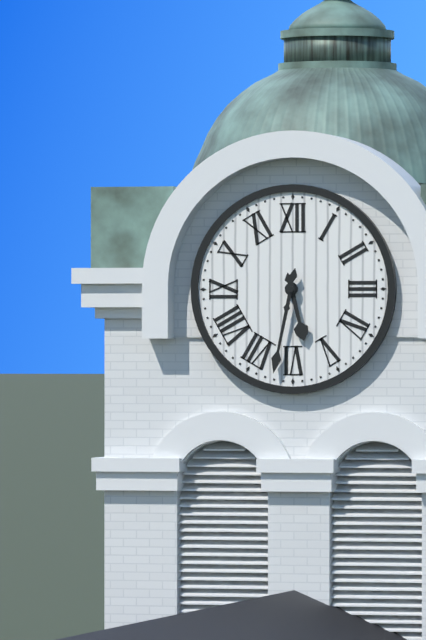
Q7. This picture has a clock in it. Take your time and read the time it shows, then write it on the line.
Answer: 5:32
